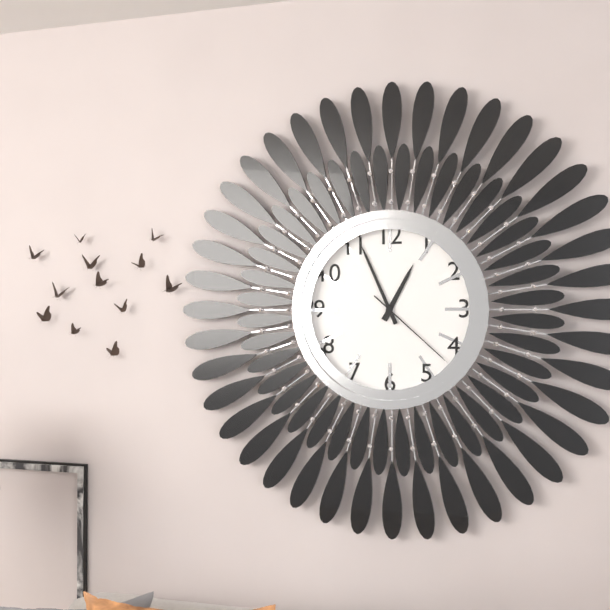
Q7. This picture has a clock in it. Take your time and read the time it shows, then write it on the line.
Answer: 12:56:22
